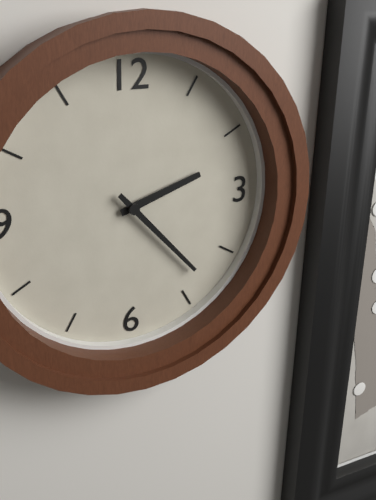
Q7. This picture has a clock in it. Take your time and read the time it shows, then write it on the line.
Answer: 2:23
